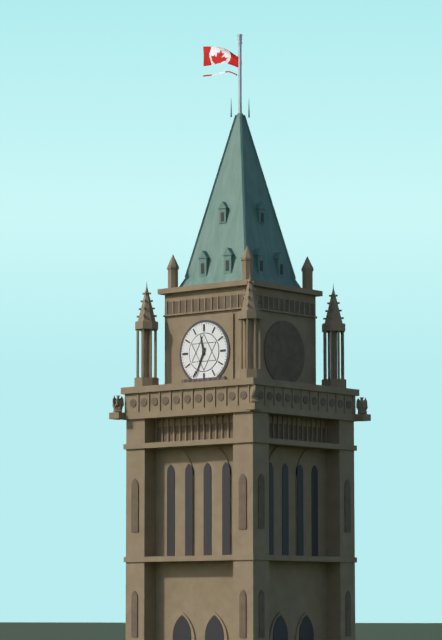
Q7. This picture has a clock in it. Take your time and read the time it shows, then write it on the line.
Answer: 11:34
